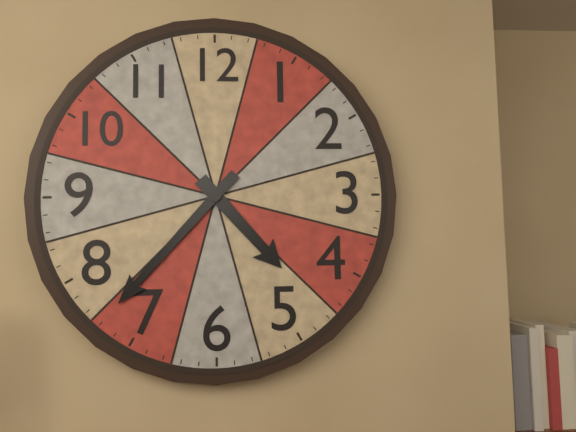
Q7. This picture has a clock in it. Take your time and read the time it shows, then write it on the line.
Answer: 4:37
